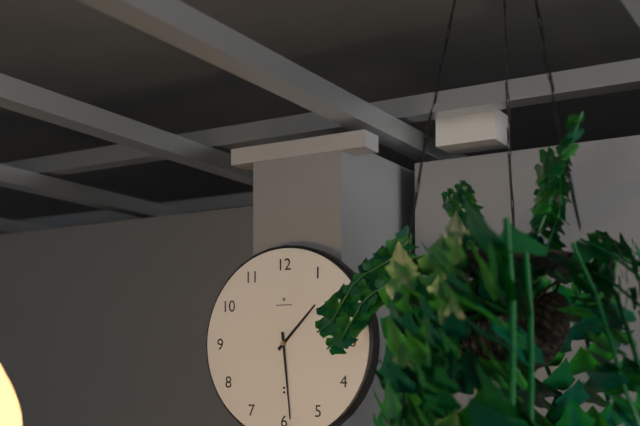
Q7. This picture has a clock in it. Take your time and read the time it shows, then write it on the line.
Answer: 1:29
